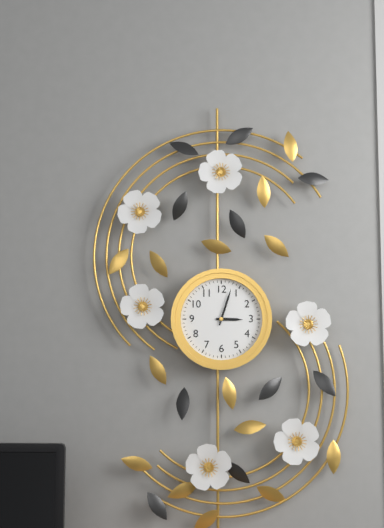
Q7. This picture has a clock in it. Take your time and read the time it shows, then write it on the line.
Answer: 3:03
